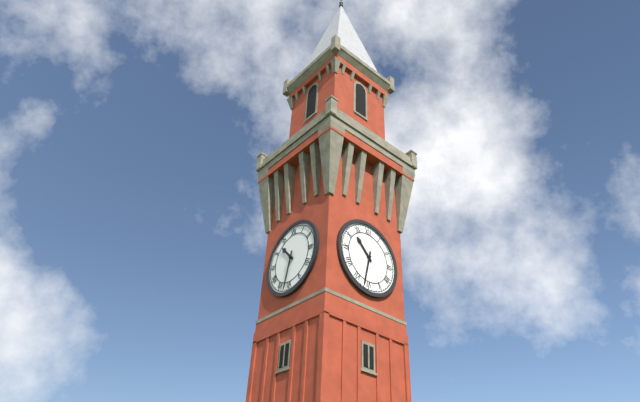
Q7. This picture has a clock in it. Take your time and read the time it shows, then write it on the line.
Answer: 10:32
